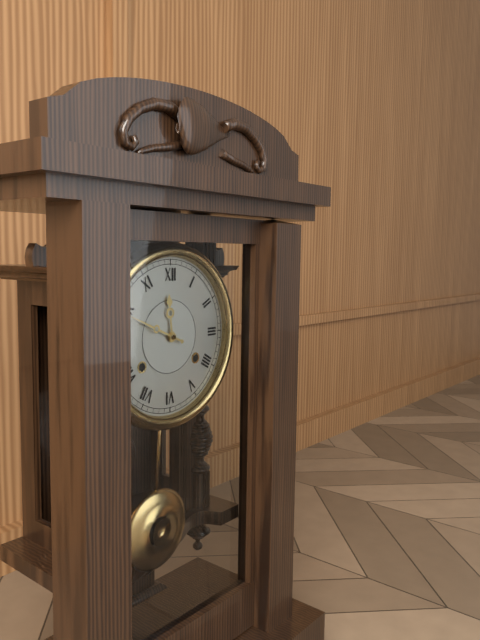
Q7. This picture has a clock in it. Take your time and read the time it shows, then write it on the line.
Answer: 11:49
